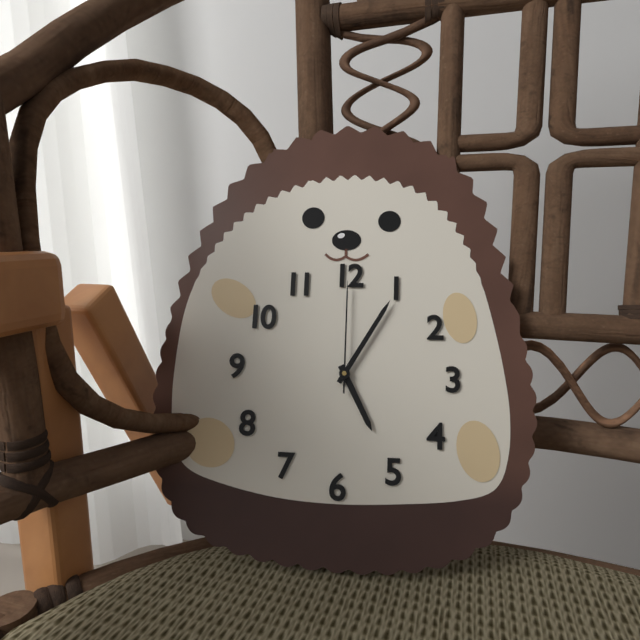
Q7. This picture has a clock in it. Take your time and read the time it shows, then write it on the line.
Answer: 5:05:00
